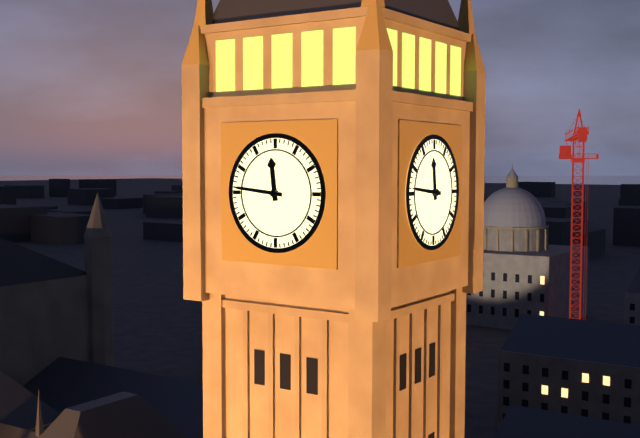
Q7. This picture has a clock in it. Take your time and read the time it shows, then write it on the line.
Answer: 11:46
